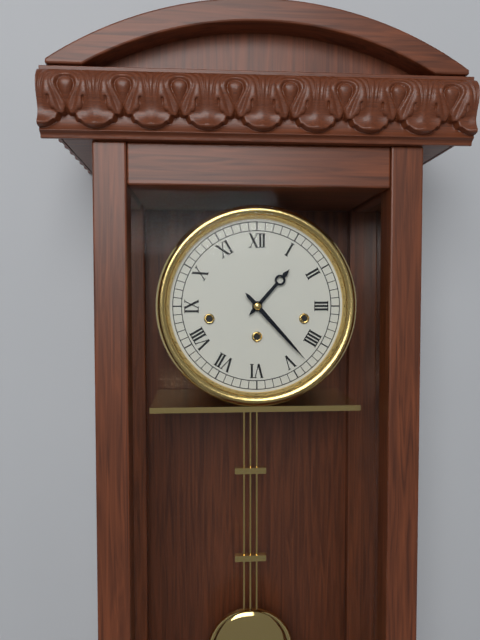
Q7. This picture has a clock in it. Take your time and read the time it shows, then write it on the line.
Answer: 1:23
